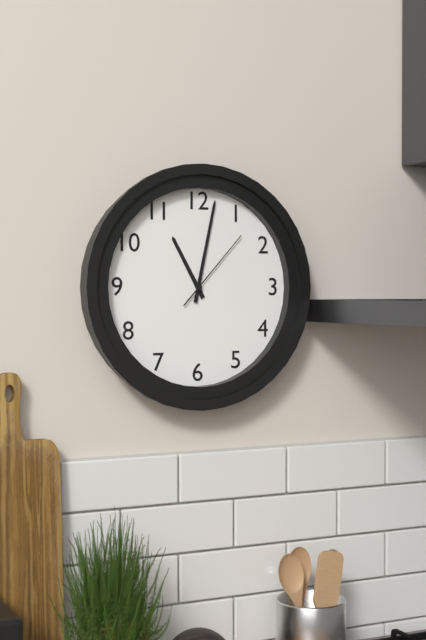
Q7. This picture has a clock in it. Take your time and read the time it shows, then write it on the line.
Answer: 11:02:07
